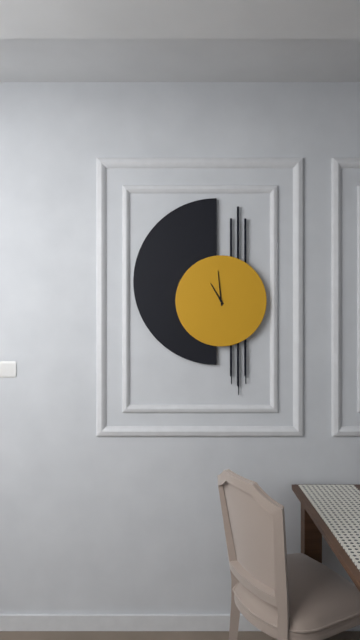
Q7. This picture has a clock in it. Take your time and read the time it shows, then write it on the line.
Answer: 10:59
